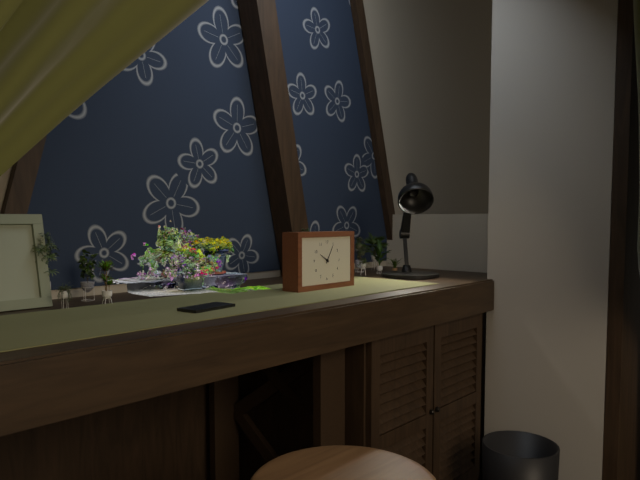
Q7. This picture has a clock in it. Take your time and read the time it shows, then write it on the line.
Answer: 10:05
